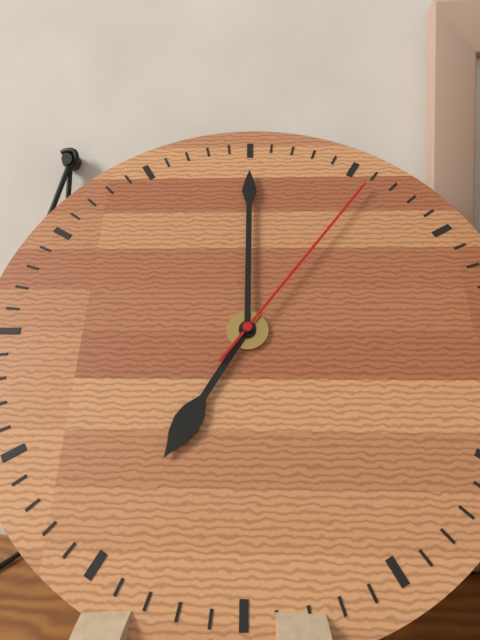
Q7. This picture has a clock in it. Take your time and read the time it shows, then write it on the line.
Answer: 7:00:06
